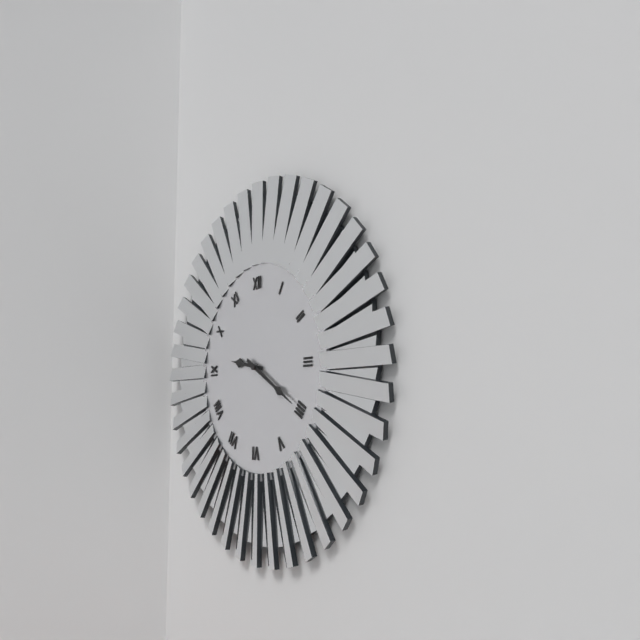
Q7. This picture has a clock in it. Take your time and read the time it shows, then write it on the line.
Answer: 9:20
